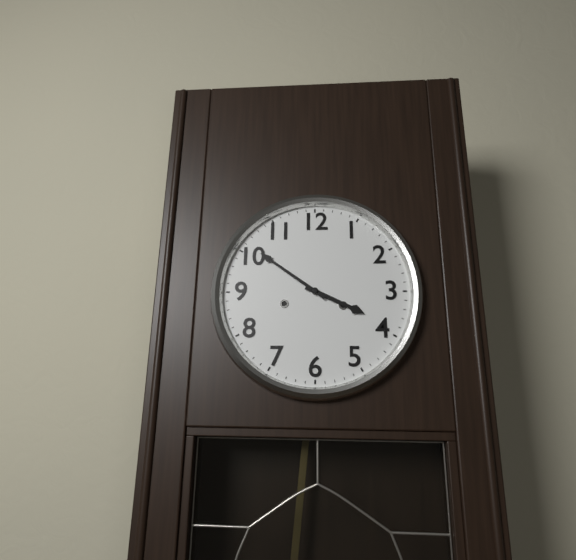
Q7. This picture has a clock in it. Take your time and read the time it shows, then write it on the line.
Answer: 3:51
